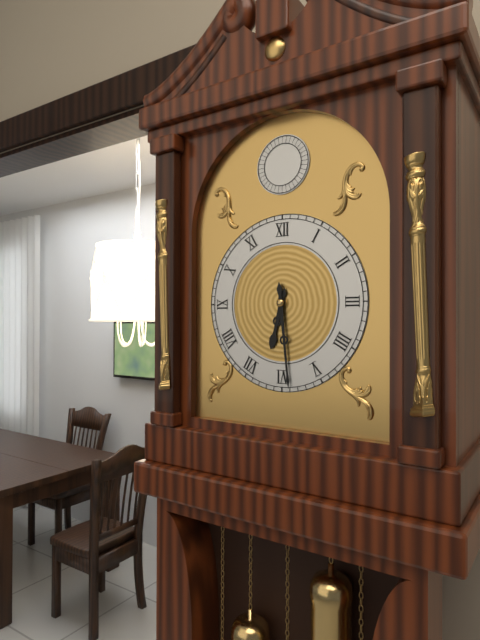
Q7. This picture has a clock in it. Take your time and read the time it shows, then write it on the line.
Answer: 6:29
